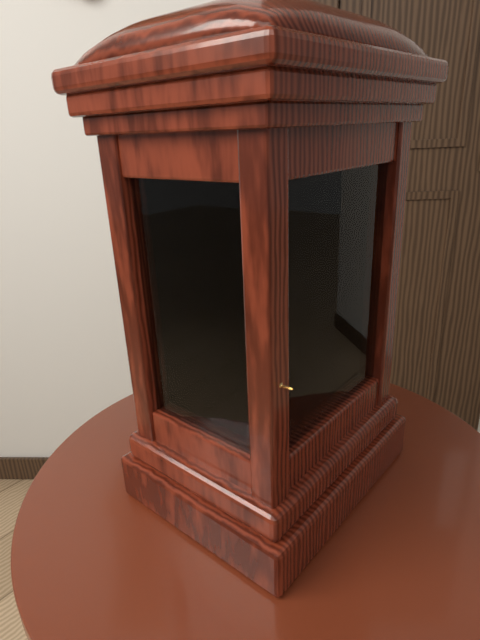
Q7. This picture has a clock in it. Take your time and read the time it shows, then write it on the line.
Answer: 5:37
